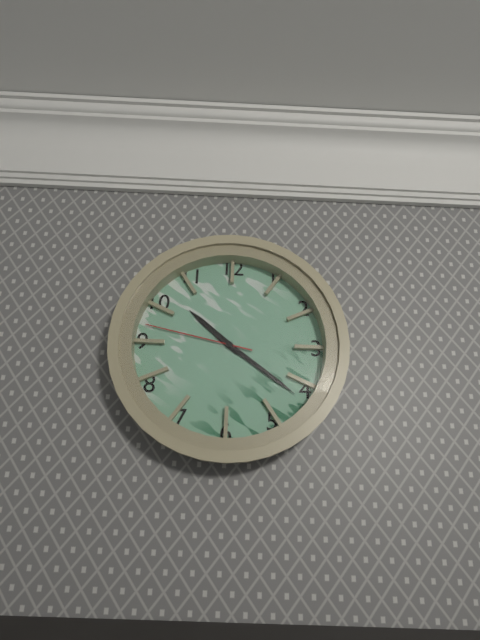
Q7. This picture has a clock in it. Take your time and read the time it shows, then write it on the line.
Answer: 10:21:47
